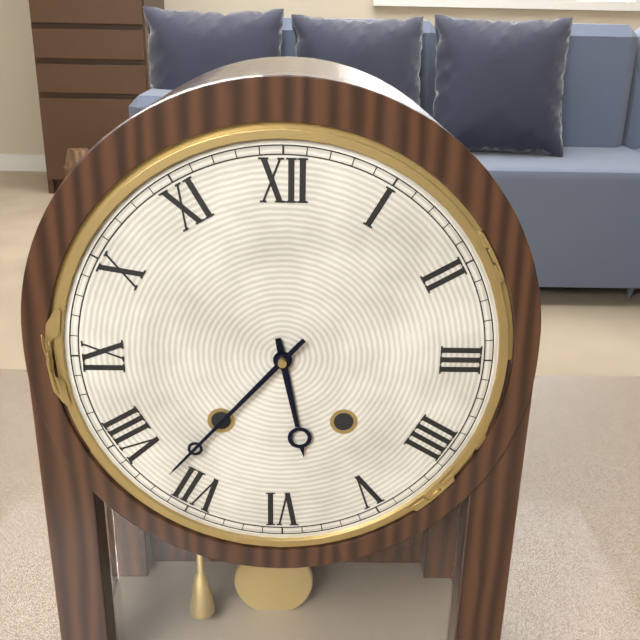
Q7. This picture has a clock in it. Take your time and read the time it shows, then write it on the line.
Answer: 5:37
